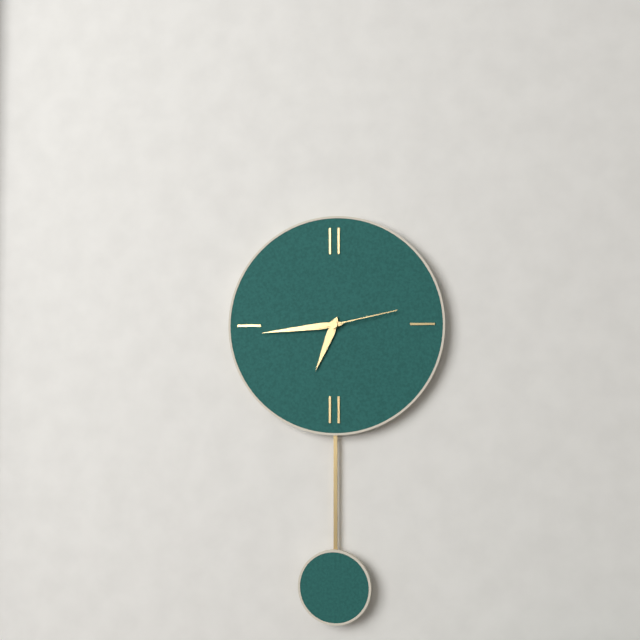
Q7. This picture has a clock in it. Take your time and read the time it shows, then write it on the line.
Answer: 6:44:13
